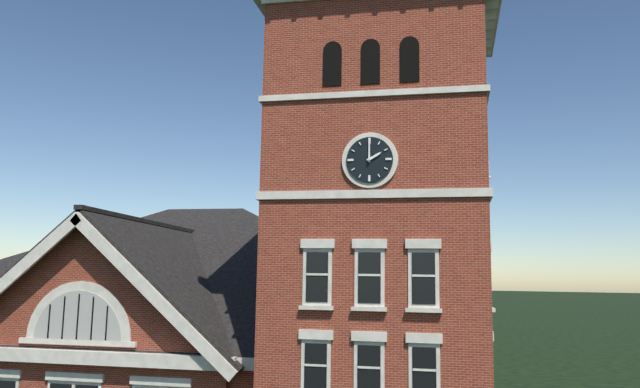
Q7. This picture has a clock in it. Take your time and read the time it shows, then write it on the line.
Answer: 2:00
